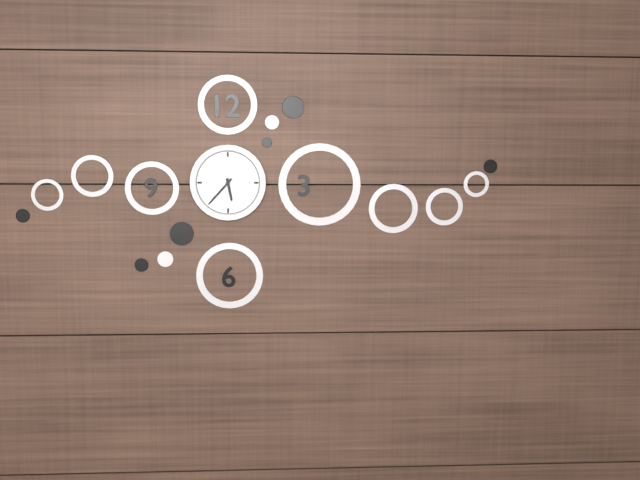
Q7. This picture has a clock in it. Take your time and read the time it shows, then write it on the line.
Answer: 5:37
